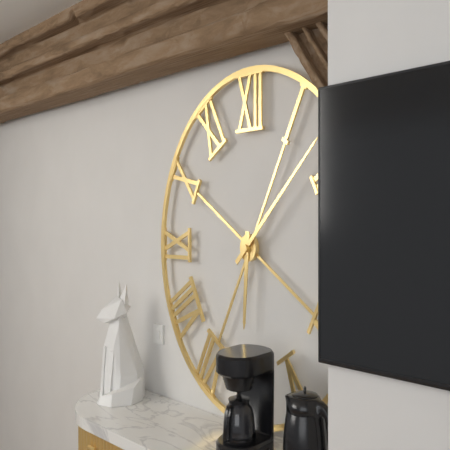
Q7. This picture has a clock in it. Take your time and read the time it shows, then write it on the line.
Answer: 6:08
